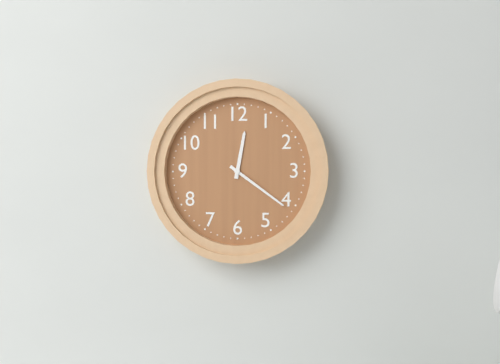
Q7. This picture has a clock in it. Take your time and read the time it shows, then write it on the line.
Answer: 12:21
